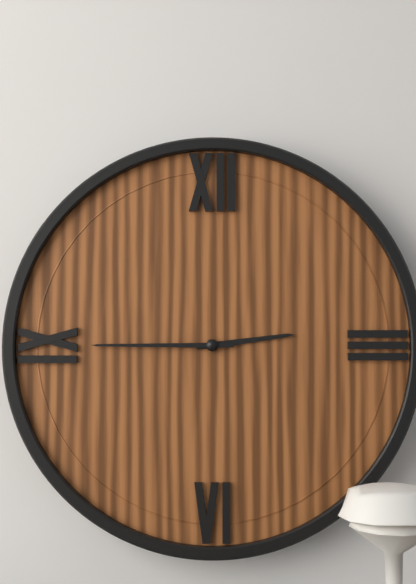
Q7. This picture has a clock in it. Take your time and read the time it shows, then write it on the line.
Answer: 2:45
